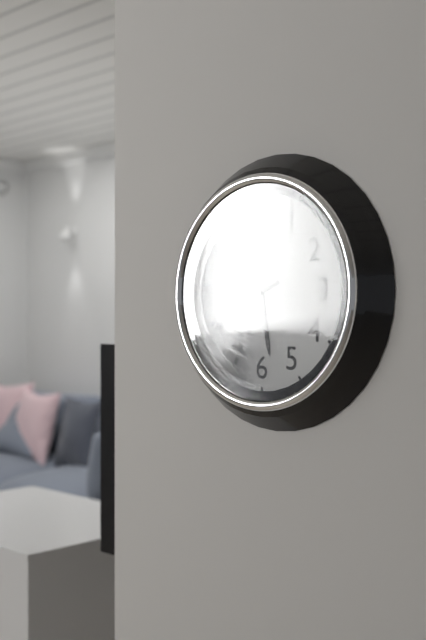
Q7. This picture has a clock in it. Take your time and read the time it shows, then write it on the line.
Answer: 5:41
